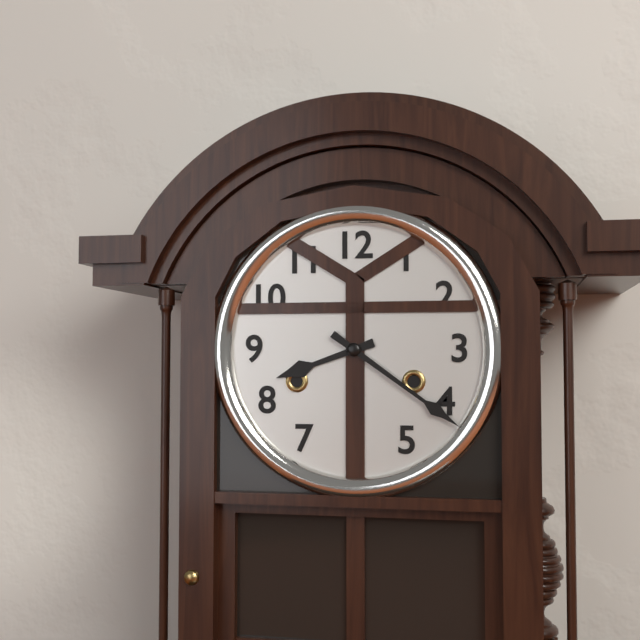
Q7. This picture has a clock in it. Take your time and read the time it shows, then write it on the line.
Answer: 8:21
